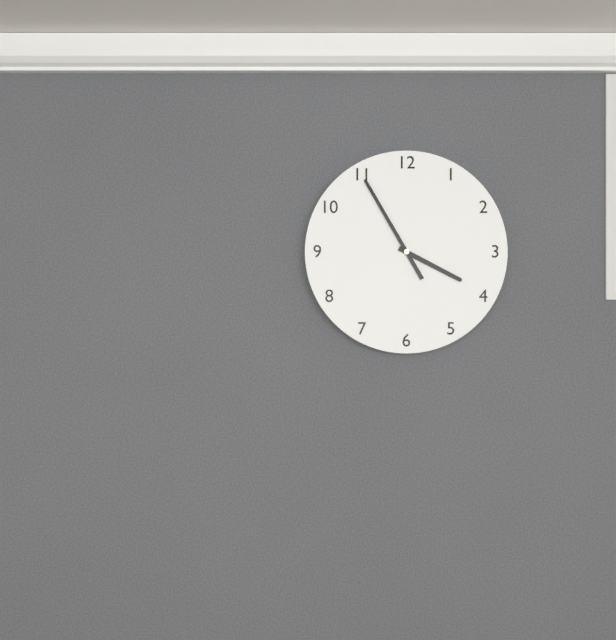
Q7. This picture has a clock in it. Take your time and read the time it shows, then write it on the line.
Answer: 3:55
